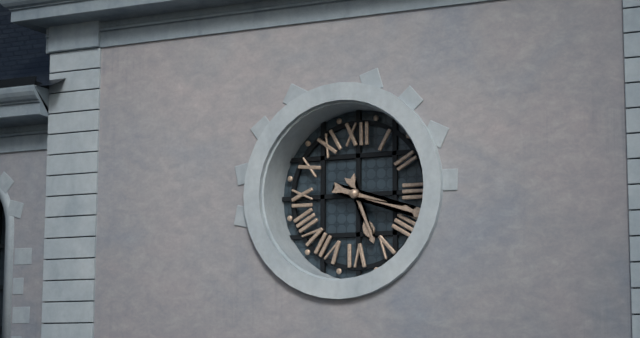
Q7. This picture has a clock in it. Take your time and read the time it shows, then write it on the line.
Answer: 5:18
